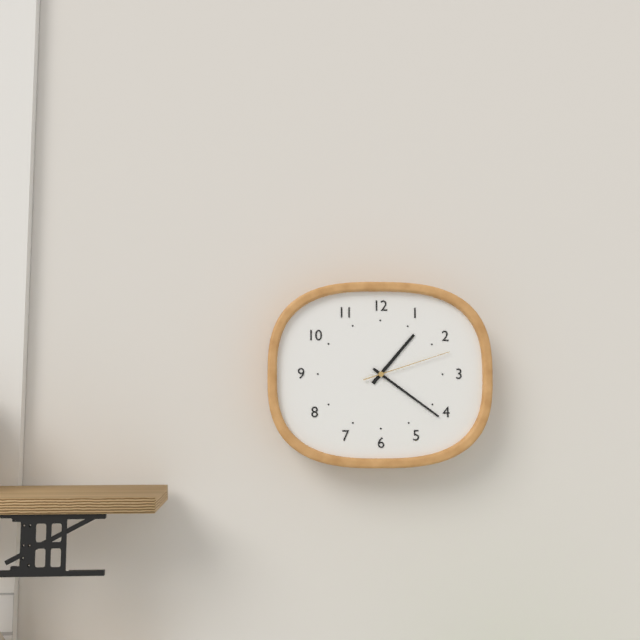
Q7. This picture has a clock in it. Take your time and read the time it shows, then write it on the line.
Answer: 1:21:12
